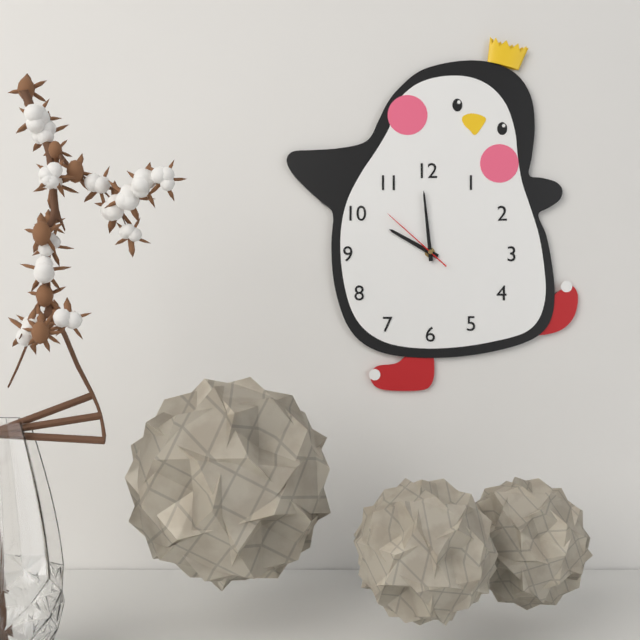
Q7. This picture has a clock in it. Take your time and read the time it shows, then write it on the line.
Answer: 9:59:52
